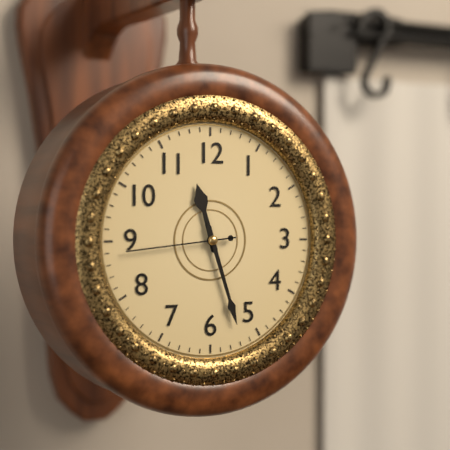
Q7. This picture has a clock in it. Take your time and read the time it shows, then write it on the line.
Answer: 11:27:44
